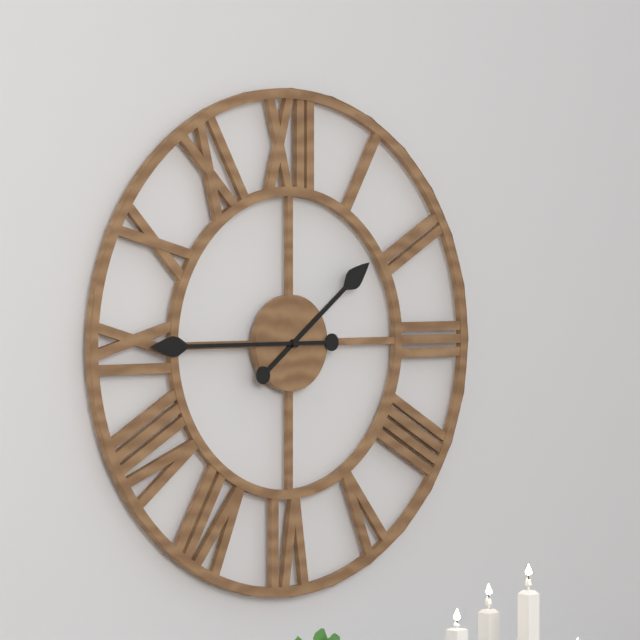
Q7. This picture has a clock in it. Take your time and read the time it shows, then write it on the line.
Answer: 1:45
